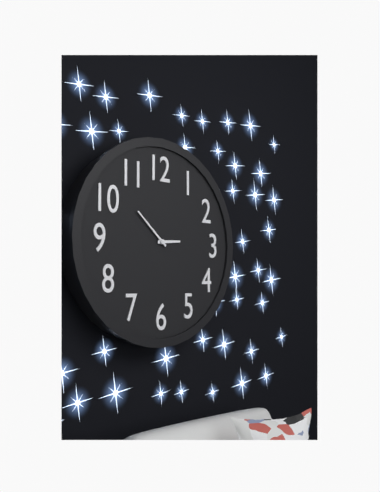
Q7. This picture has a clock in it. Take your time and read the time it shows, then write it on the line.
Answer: 2:52
